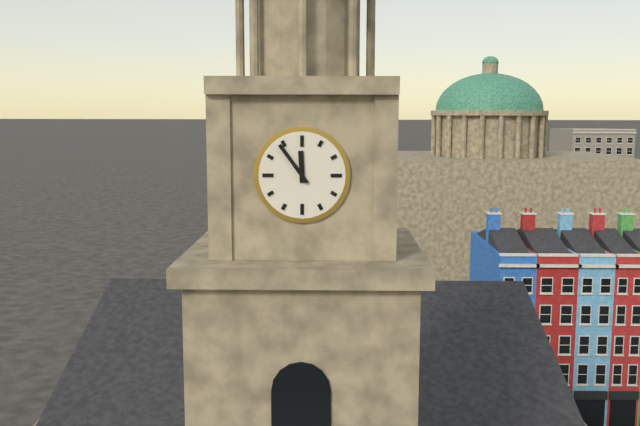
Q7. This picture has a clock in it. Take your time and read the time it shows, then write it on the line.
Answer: 11:54
